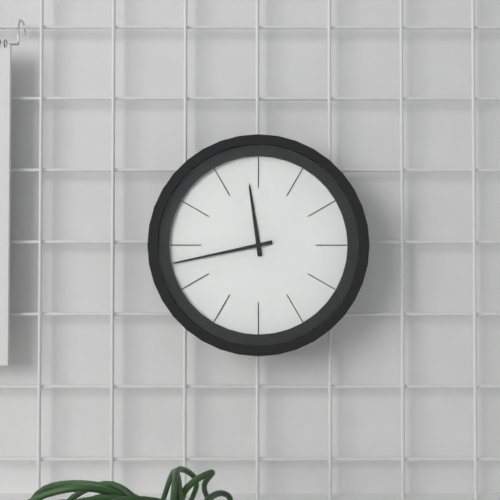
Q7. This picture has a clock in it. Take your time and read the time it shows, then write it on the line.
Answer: 11:43
